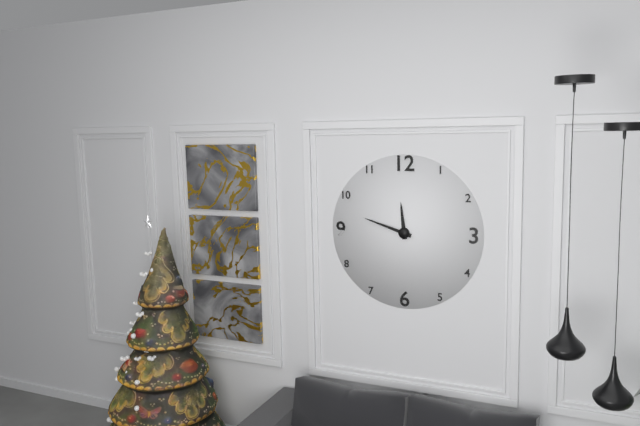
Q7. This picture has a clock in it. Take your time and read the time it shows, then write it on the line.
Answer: 11:48
